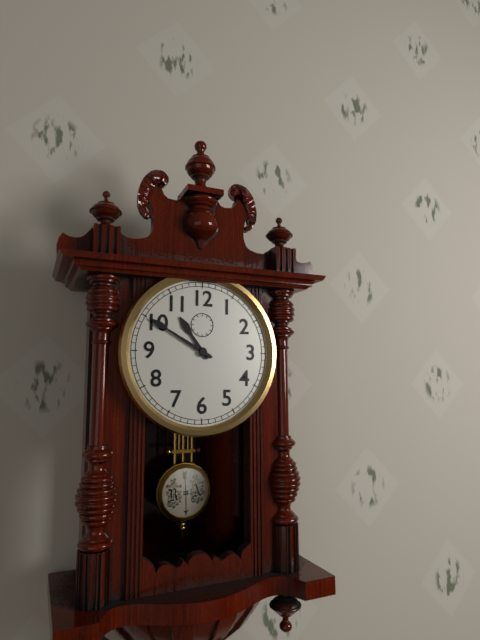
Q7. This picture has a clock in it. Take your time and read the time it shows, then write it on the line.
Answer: 10:50
